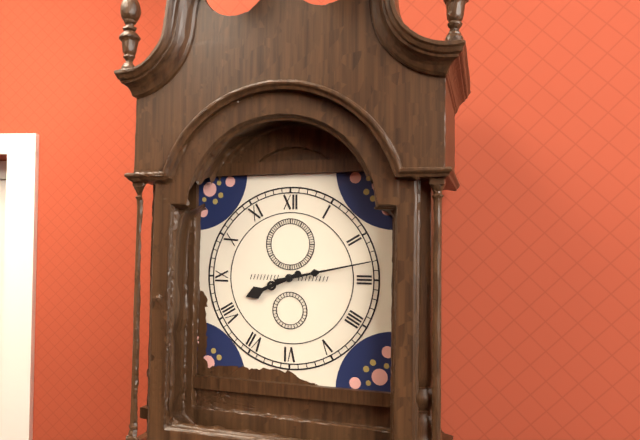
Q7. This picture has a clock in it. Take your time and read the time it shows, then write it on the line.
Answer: 8:13
